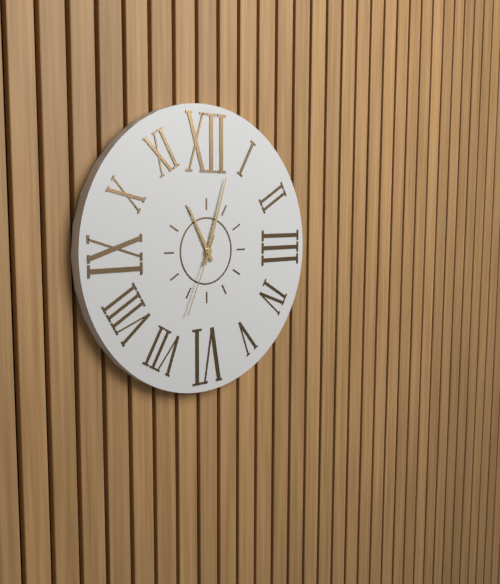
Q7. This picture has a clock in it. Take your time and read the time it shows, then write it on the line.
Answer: 11:03:34
